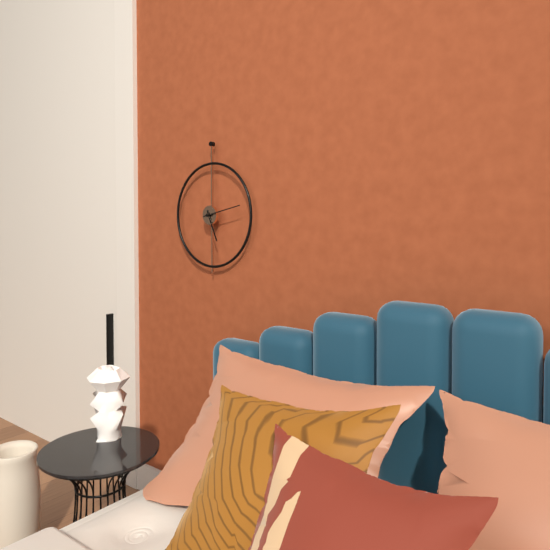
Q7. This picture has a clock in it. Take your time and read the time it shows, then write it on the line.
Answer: 5:13
